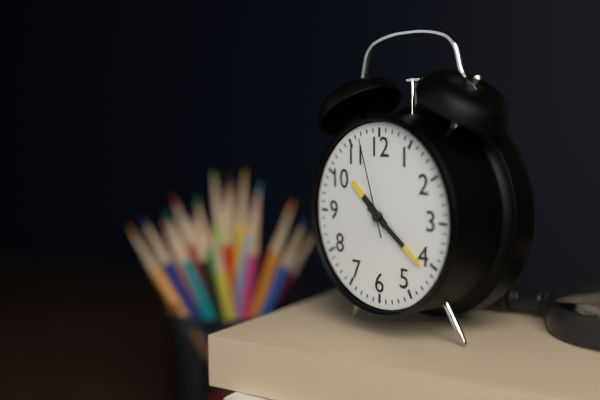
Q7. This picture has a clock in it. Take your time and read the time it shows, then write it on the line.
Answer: 10:21:57
